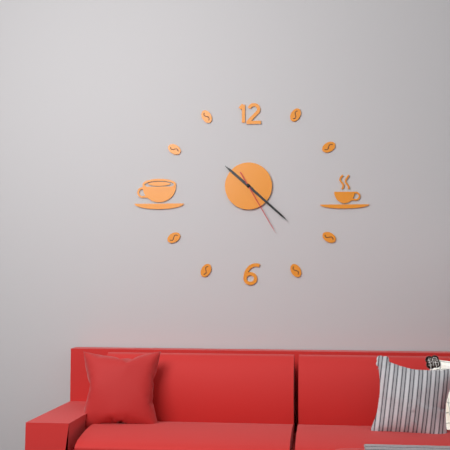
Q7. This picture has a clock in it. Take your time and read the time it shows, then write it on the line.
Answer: 10:22:25
